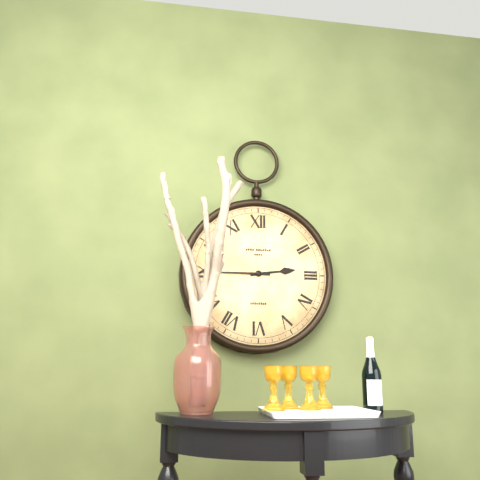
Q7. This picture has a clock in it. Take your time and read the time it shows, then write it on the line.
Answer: 2:45
